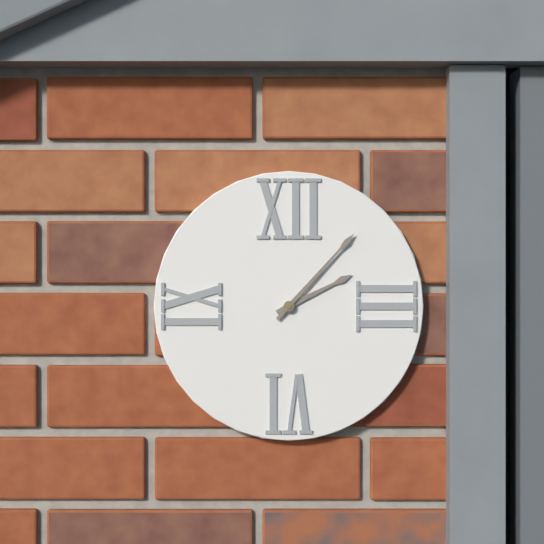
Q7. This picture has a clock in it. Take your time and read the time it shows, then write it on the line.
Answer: 2:07
